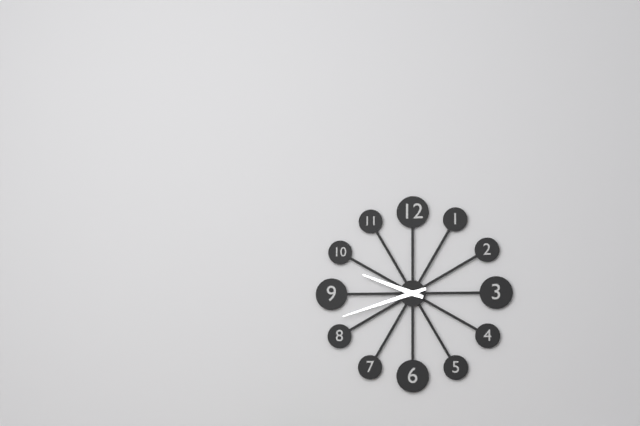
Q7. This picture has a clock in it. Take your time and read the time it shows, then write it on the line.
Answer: 9:42
